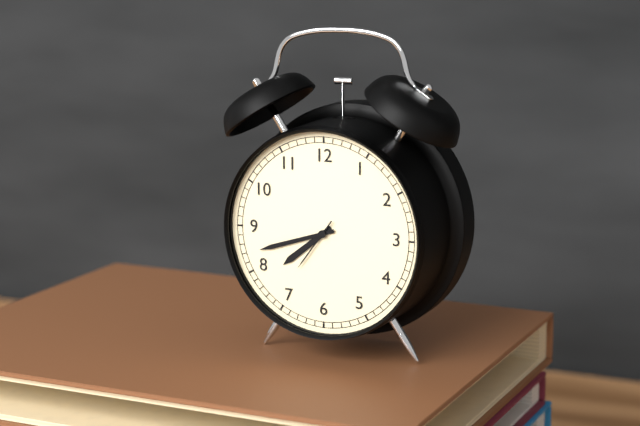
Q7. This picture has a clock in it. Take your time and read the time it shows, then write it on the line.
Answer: 7:42:36
